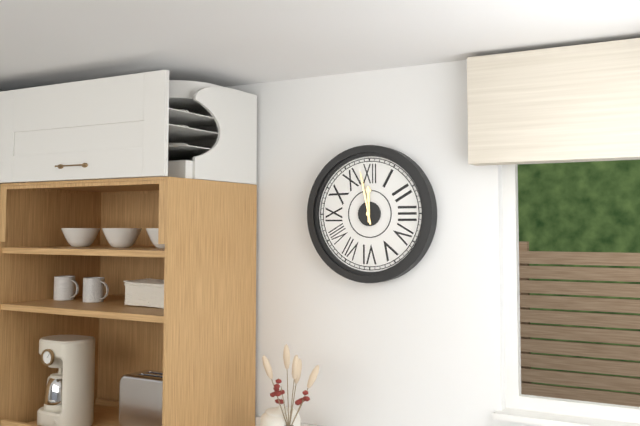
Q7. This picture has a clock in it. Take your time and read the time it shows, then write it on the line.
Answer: 11:58
